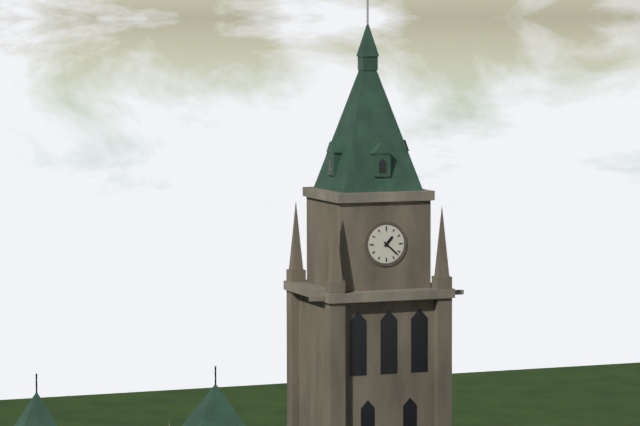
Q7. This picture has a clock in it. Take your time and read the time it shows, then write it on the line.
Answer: 1:22
